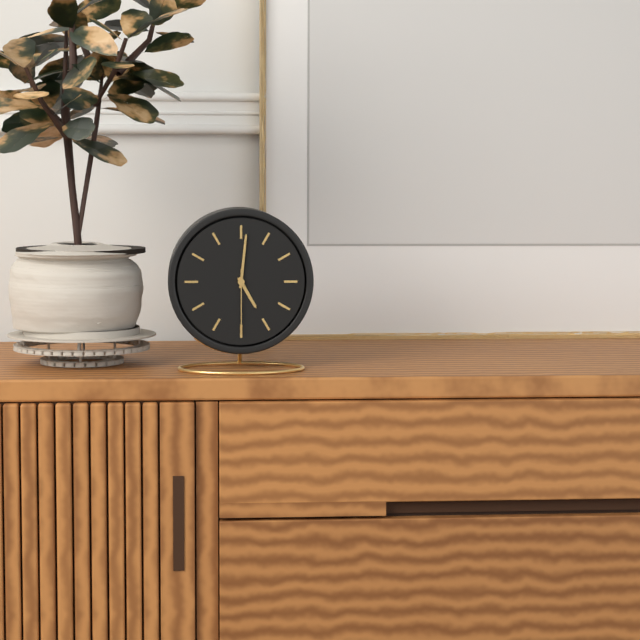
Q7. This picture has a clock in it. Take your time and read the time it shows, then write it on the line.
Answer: 5:01:30
